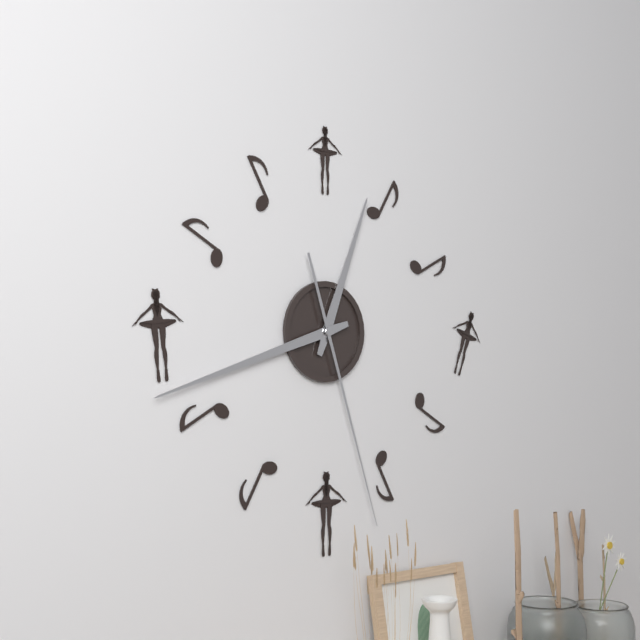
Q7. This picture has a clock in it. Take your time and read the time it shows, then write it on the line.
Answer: 12:42:27
